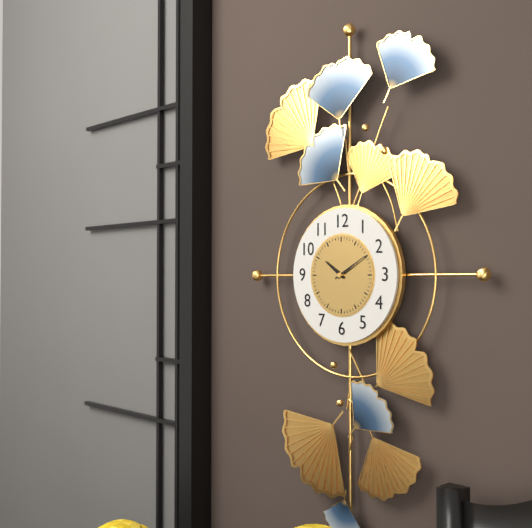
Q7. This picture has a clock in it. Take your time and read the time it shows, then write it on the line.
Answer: 10:10
